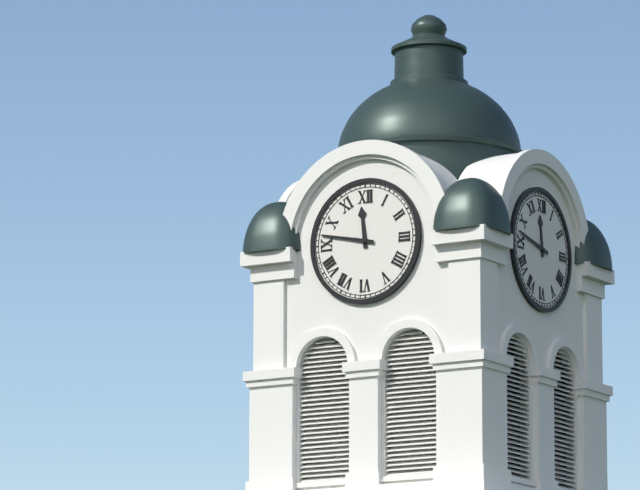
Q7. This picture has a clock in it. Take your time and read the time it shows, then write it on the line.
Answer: 11:47
